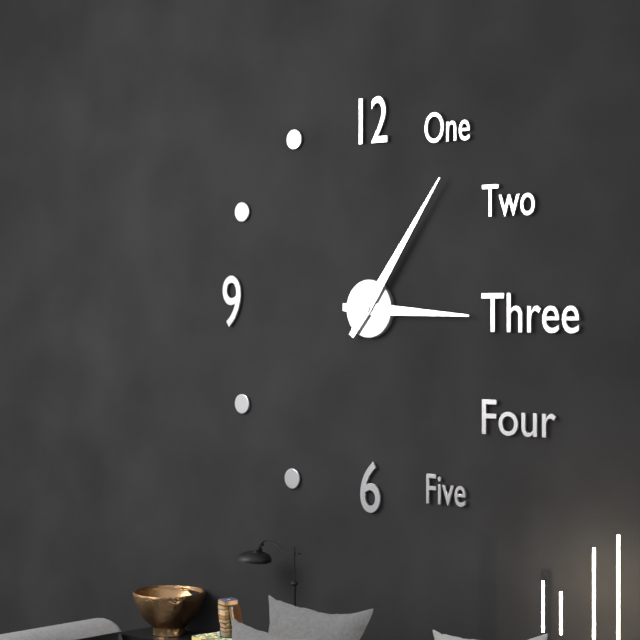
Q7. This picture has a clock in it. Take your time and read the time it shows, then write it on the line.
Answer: 3:06
